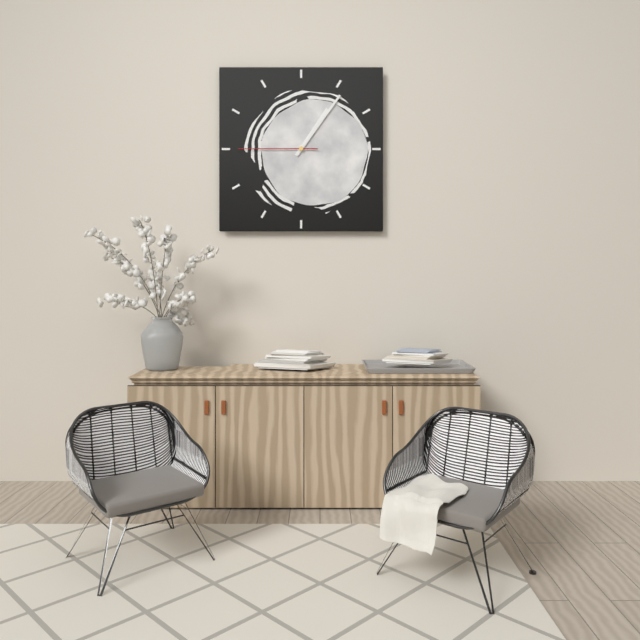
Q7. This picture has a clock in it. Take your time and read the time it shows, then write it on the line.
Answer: 1:06:45
